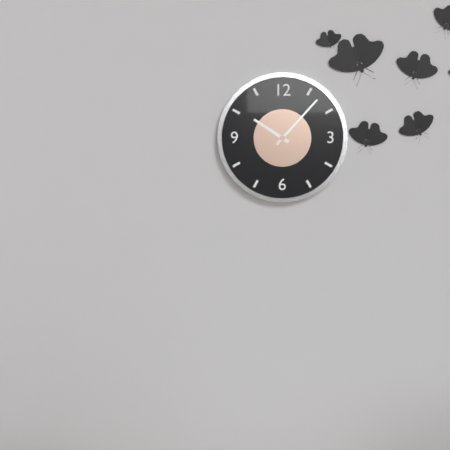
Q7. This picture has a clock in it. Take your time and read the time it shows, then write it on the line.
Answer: 10:07
